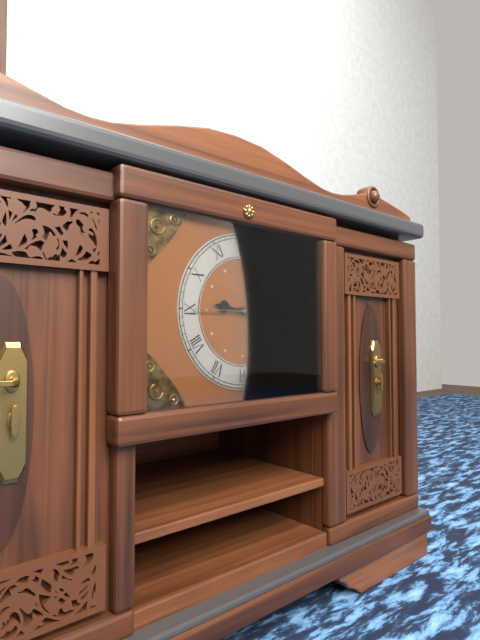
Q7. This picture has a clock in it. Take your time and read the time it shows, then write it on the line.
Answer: 9:17:45
